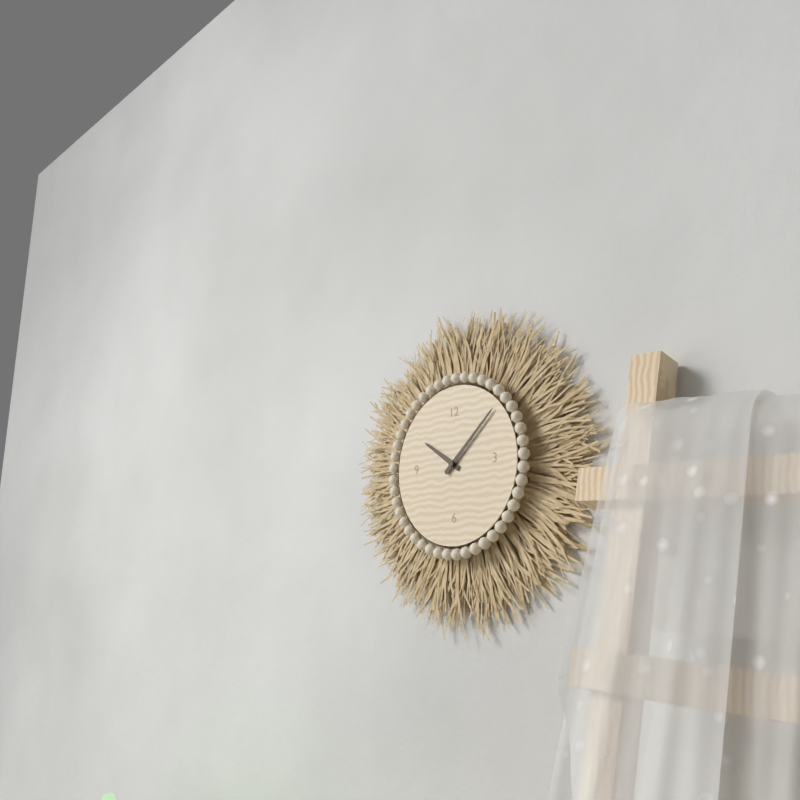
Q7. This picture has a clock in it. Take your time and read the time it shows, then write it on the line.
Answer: 10:08
